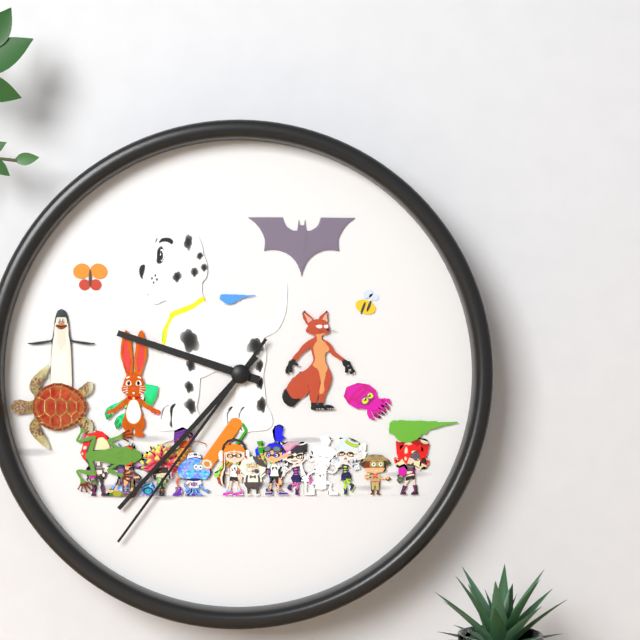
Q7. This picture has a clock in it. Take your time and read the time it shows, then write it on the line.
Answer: 9:37:36
